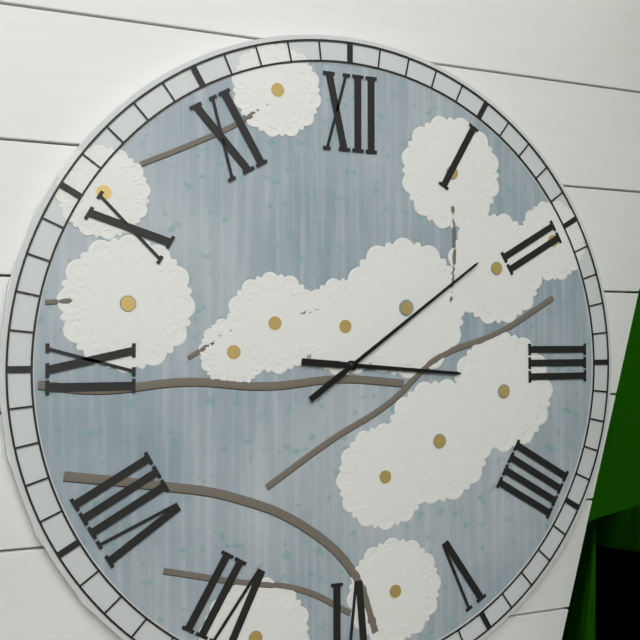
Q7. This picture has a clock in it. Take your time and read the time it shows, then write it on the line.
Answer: 3:09
